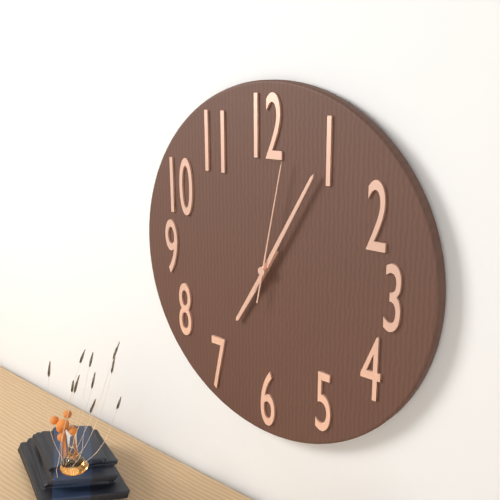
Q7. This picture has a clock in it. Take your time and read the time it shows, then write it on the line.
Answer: 7:05:02
